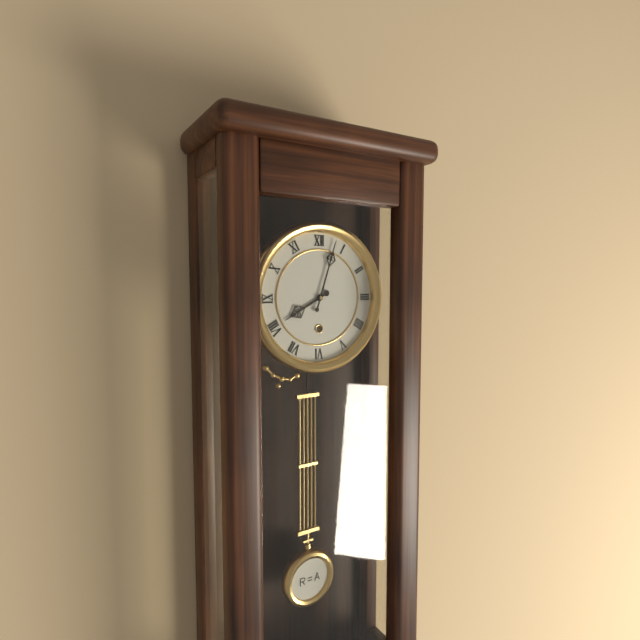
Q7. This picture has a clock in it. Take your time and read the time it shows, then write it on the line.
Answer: 8:03
